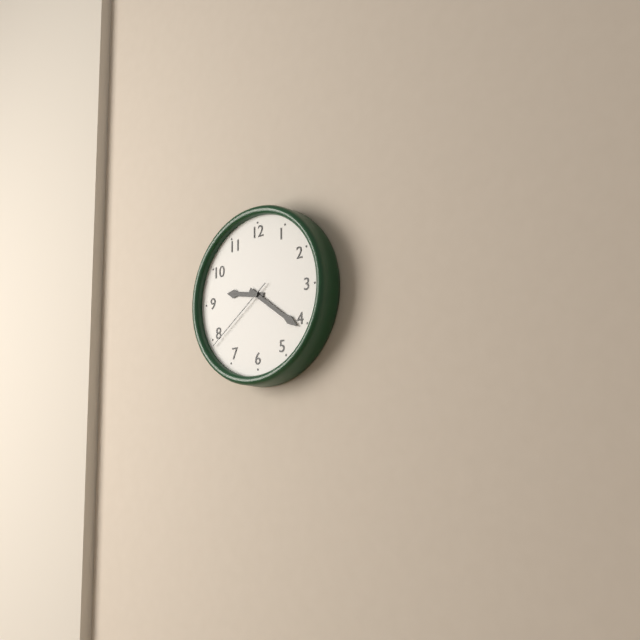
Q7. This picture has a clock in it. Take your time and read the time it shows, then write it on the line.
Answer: 9:21:39
